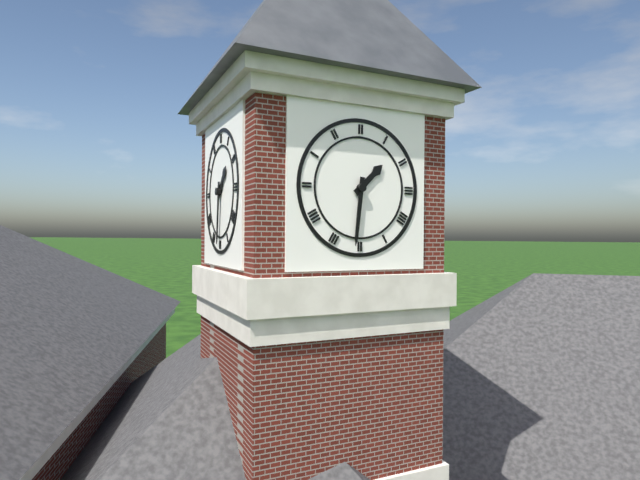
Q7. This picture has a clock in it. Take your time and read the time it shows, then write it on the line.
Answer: 1:31
